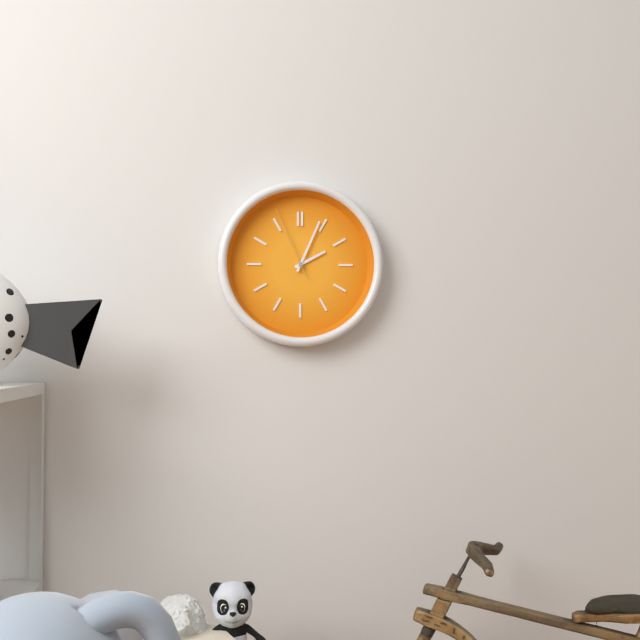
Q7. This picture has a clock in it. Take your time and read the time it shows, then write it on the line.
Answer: 2:04:56
